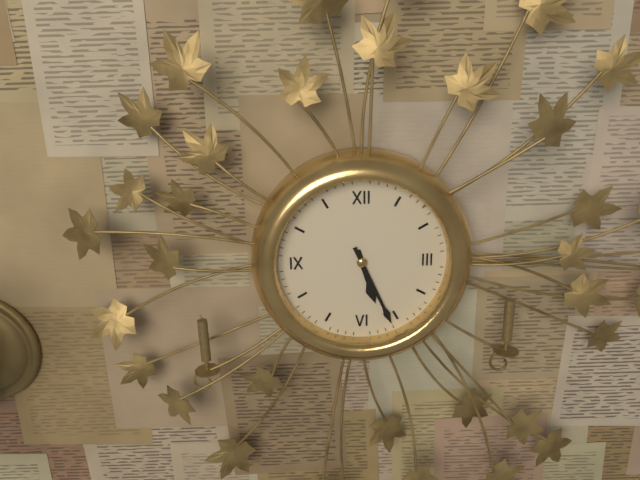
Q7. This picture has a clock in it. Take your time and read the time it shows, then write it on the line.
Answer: 5:26
